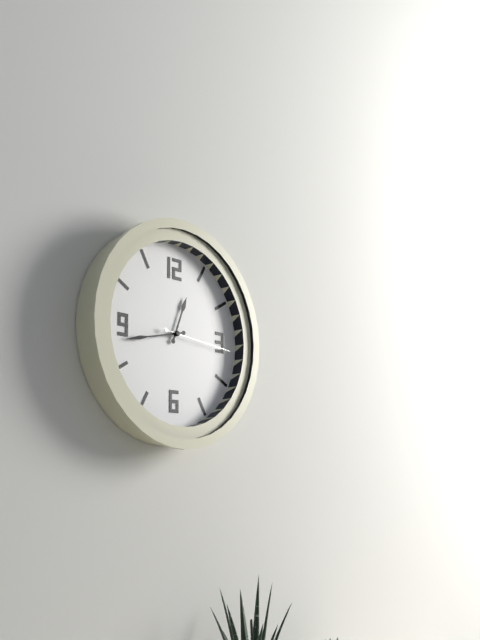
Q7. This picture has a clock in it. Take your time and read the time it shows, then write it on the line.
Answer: 12:43:16
